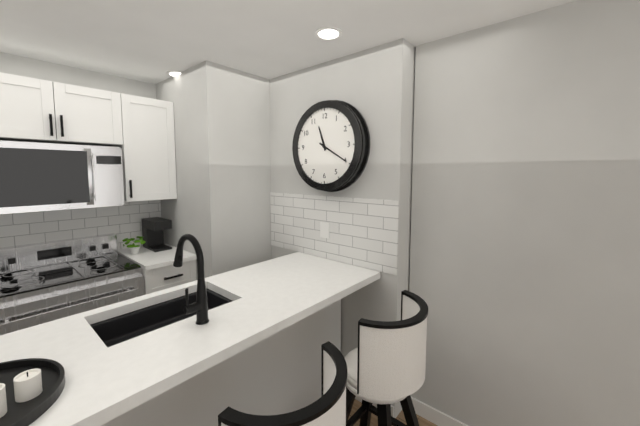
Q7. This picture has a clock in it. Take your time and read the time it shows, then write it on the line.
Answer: 11:20
